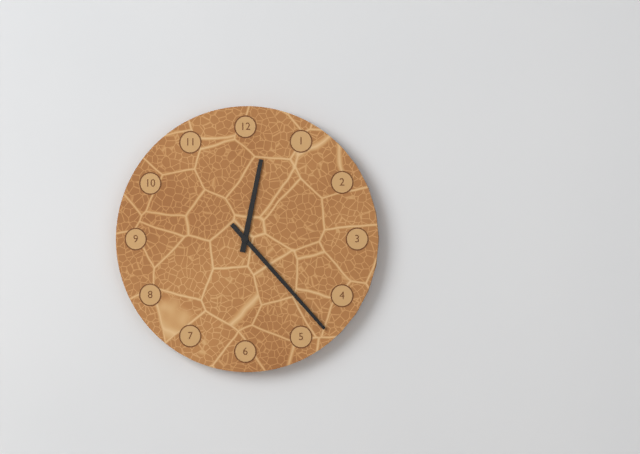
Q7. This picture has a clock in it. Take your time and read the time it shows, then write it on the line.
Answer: 12:23
